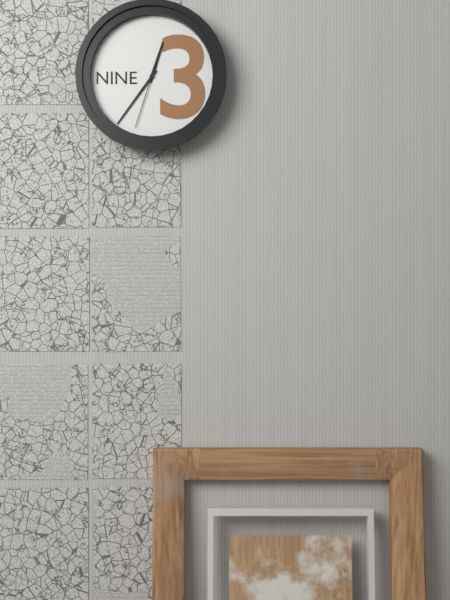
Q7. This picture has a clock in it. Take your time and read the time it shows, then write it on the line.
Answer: 12:36:33
